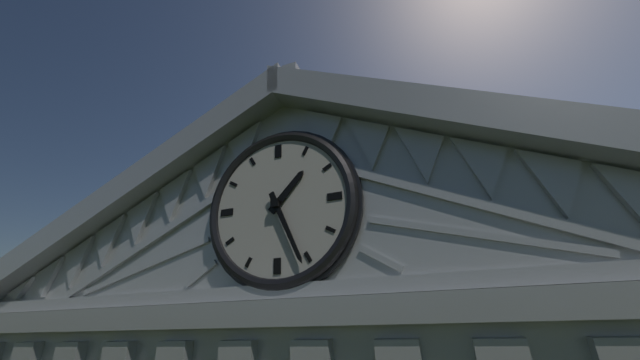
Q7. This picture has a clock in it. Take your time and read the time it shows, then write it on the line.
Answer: 1:26
